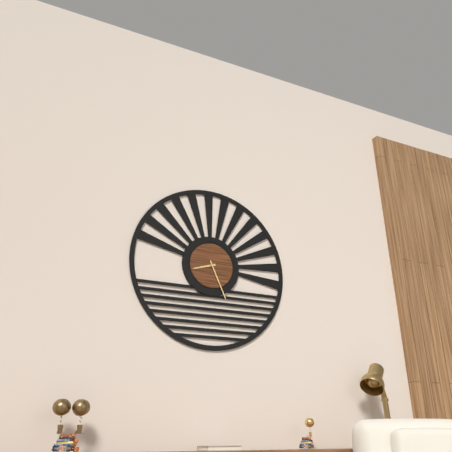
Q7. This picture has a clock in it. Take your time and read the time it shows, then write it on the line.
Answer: 8:26
